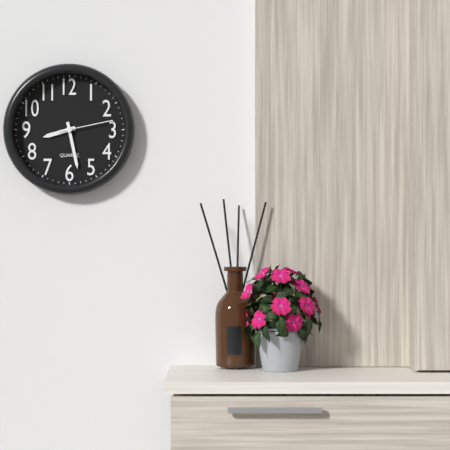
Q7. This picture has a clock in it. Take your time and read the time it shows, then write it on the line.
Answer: 8:28:13
